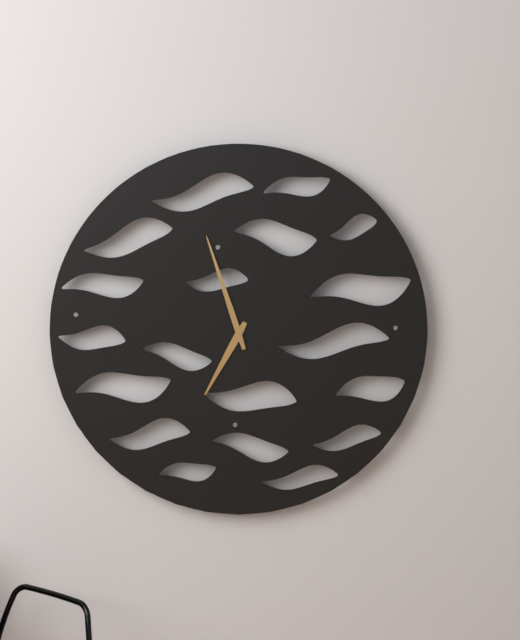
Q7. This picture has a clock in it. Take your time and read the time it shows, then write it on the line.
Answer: 6:57
